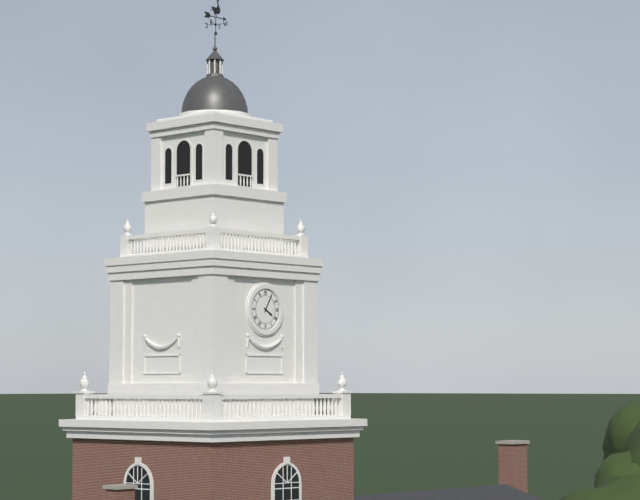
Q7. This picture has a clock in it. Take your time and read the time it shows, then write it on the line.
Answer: 4:05
